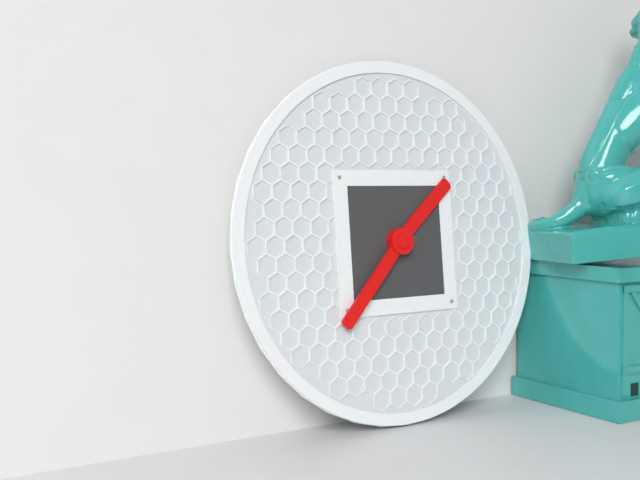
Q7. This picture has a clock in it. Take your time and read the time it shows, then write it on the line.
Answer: 1:37
